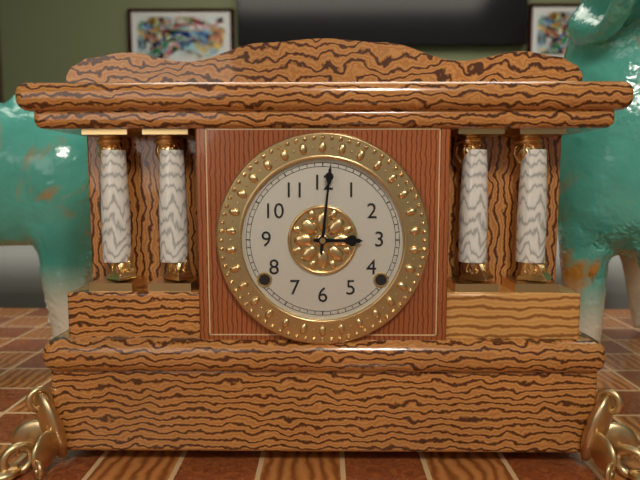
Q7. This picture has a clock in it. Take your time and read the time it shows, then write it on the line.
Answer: 3:01
